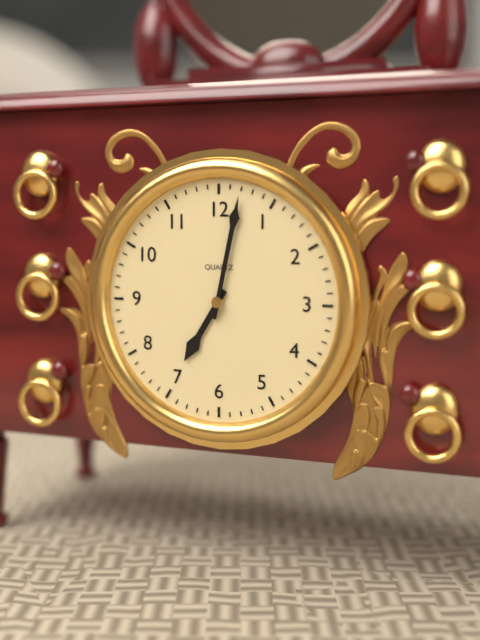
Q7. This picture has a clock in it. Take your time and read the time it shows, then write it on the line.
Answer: 7:02
